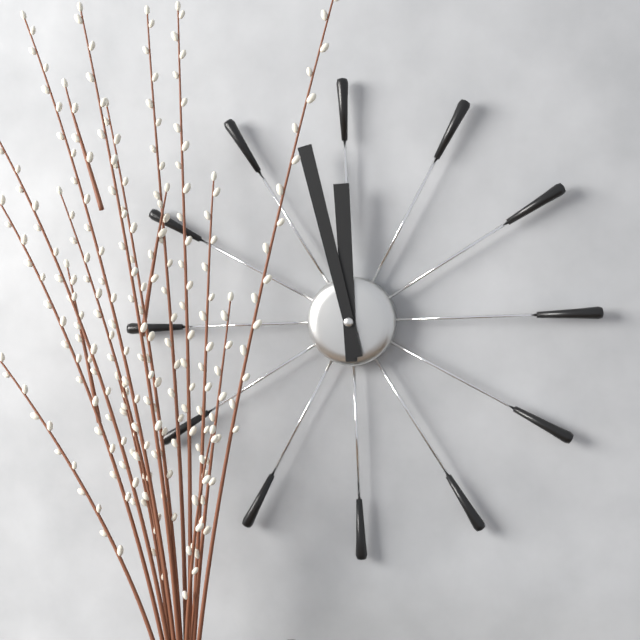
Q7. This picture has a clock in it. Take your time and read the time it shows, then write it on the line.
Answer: 11:58
